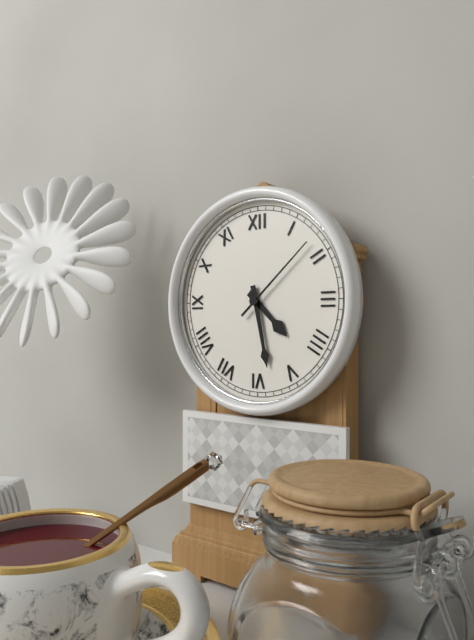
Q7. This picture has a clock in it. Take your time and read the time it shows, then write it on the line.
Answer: 4:28:08
